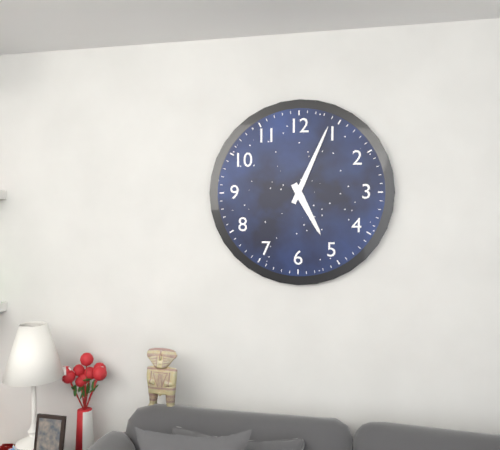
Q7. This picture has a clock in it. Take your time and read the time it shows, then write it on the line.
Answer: 5:04
